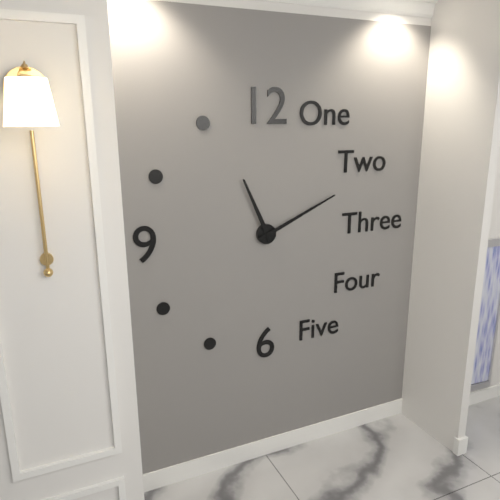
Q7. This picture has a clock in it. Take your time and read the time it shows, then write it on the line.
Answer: 11:11
